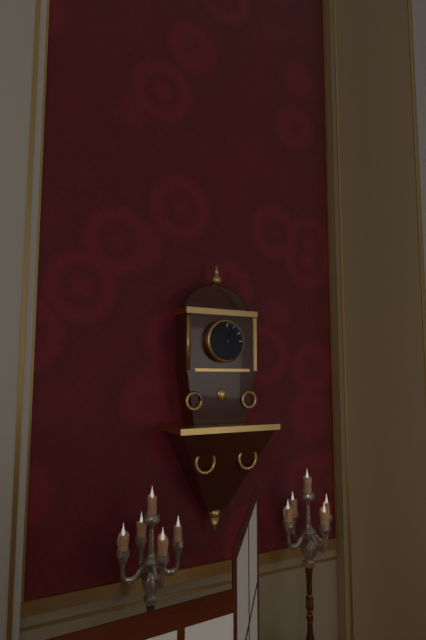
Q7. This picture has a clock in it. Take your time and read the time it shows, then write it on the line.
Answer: 2:05
